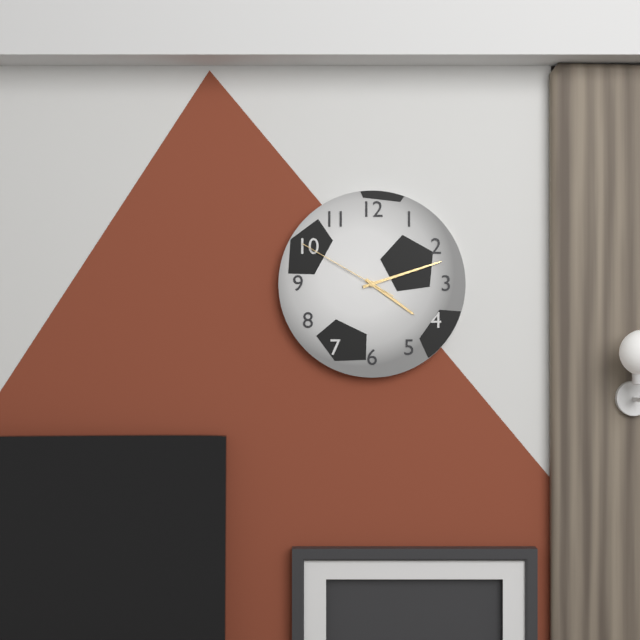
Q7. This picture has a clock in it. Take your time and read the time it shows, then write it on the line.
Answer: 4:12:50
